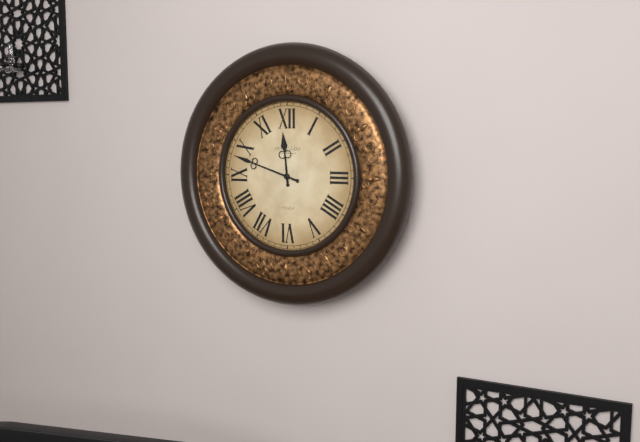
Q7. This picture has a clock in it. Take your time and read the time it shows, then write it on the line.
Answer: 11:48
